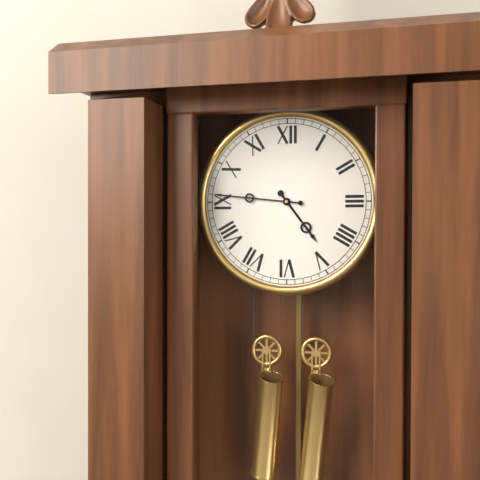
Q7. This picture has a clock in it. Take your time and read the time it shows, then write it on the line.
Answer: 4:46
